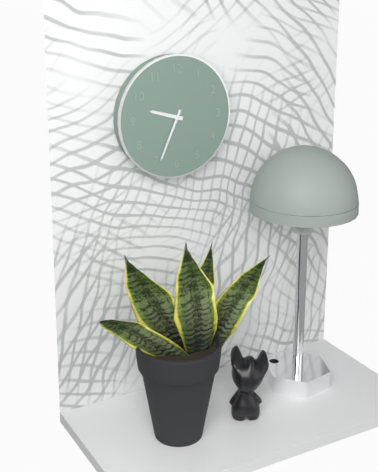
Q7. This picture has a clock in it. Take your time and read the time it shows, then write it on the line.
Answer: 9:34
